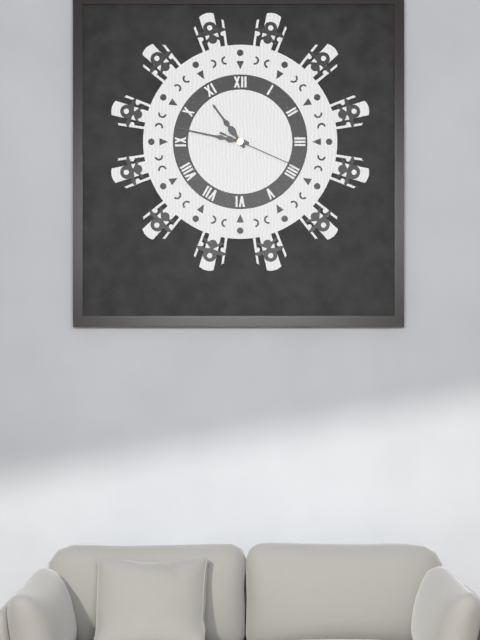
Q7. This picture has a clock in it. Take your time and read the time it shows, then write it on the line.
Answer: 10:47:19
